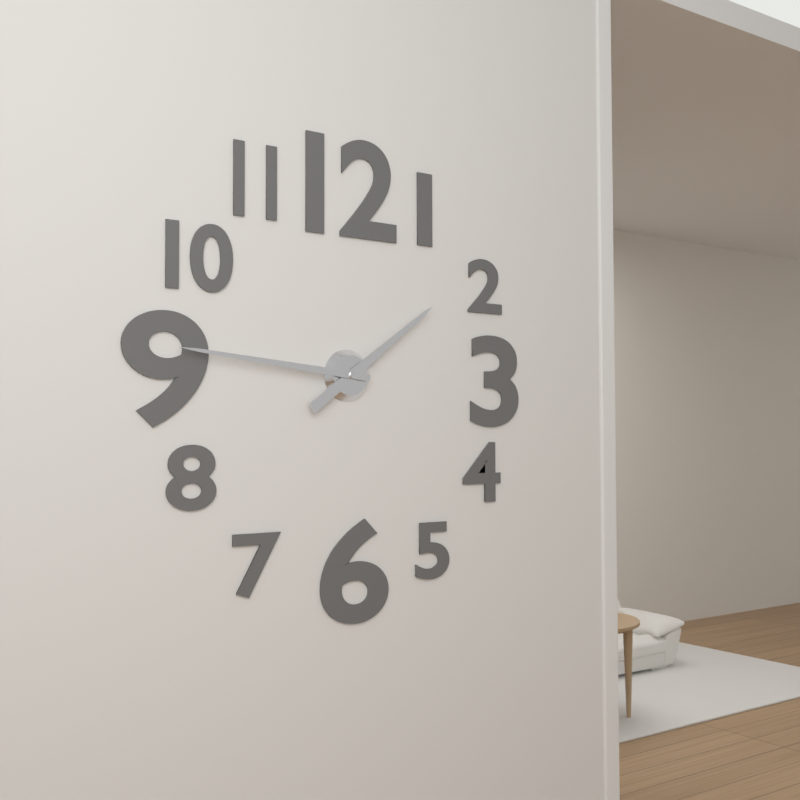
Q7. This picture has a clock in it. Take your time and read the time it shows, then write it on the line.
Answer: 1:46
